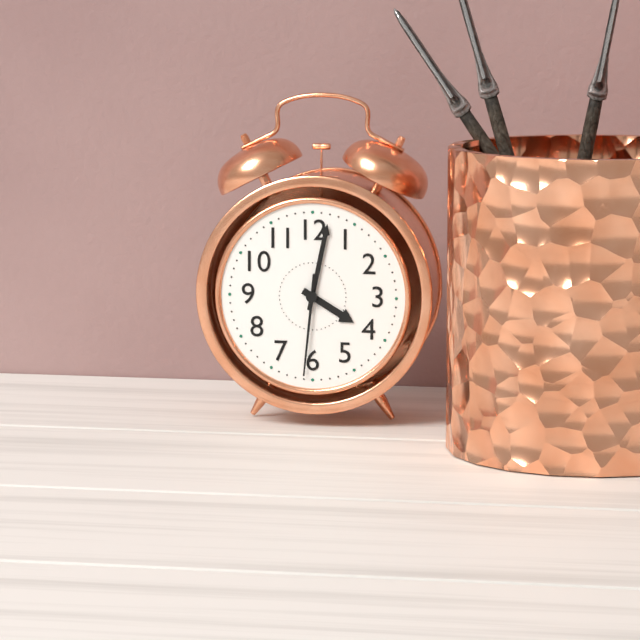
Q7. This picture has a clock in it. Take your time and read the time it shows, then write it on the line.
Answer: 4:02:31
